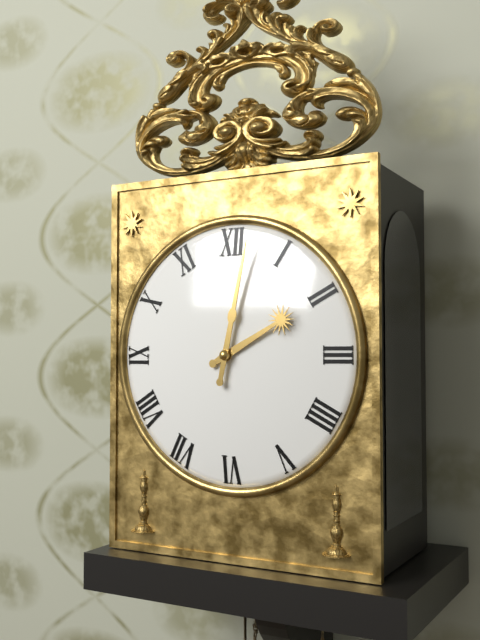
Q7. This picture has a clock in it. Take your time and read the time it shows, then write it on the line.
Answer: 2:02
